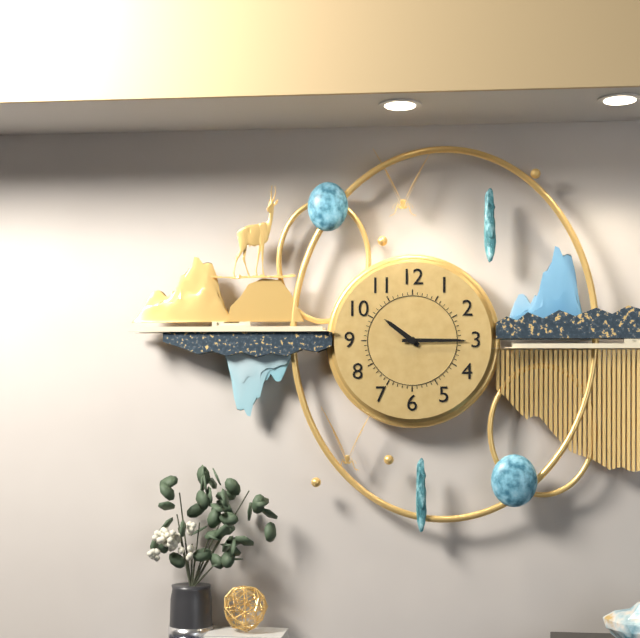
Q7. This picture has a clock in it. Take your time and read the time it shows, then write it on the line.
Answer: 10:15
